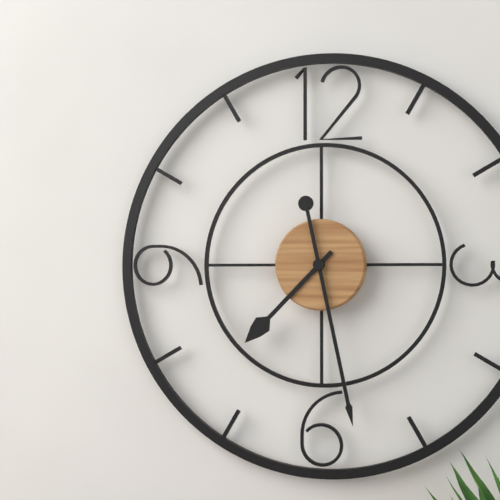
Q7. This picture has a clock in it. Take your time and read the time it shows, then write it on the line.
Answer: 7:28
